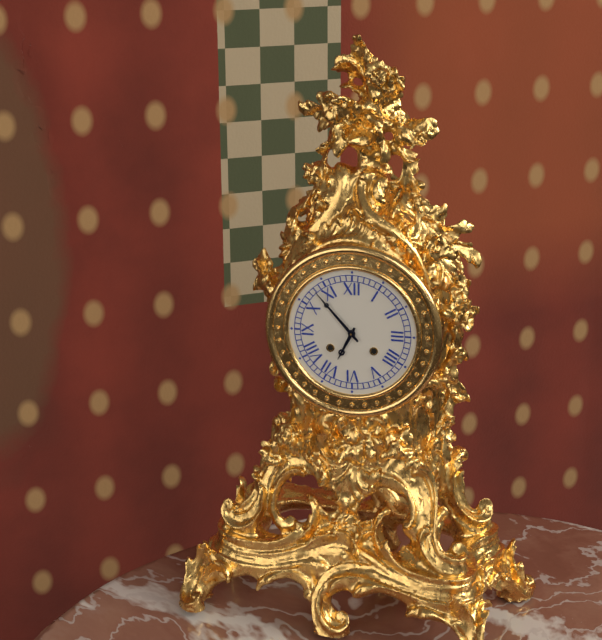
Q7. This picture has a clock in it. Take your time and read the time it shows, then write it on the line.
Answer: 6:53
